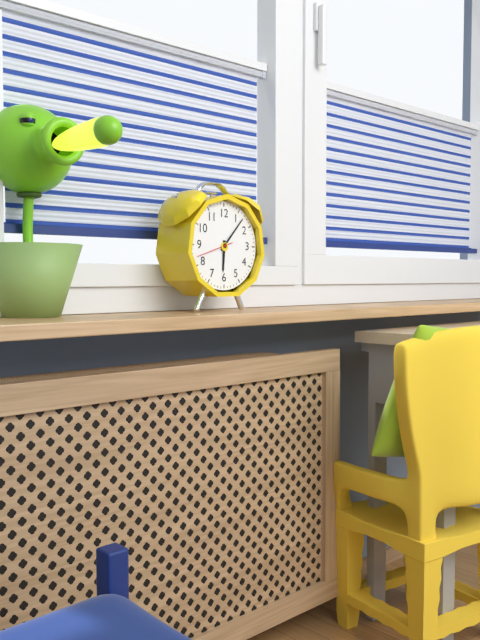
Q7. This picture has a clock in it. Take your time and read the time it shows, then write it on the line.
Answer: 6:07
